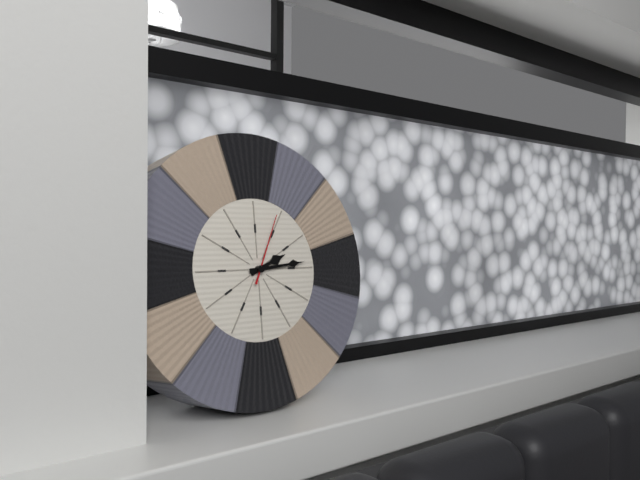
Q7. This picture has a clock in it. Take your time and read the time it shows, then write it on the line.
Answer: 2:14:04
